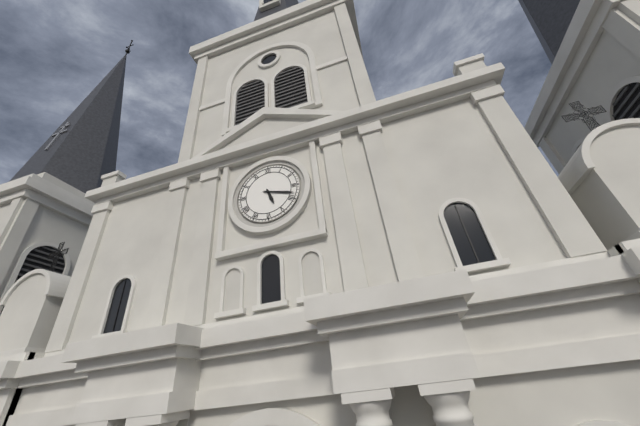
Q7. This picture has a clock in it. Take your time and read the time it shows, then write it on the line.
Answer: 5:18
